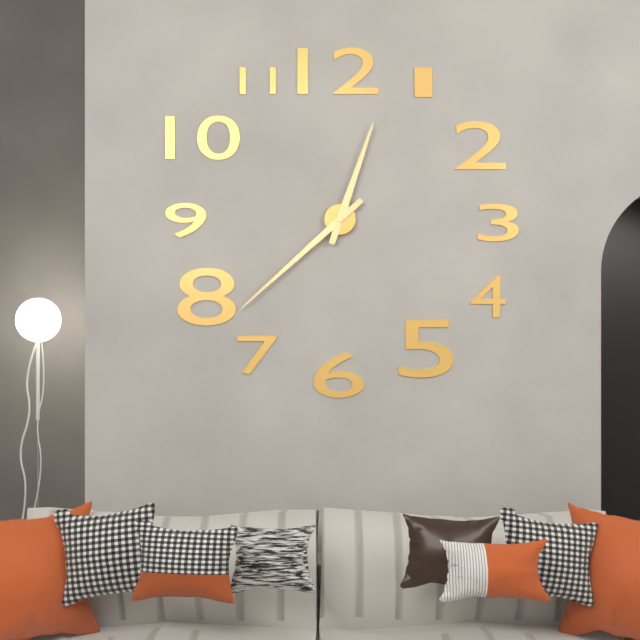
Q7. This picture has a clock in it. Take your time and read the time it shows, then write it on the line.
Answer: 12:38
